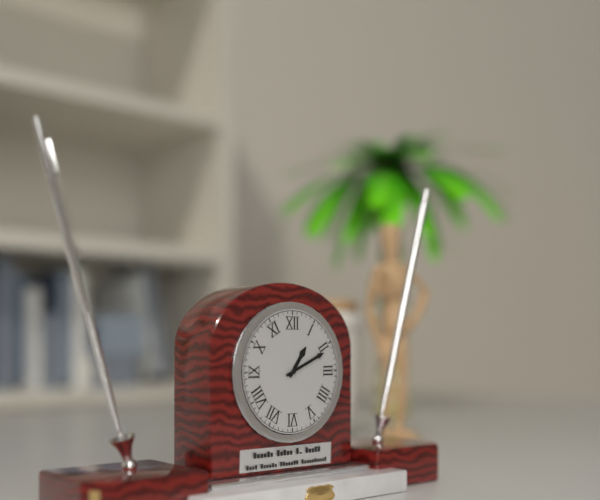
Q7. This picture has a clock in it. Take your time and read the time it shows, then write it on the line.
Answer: 1:11
